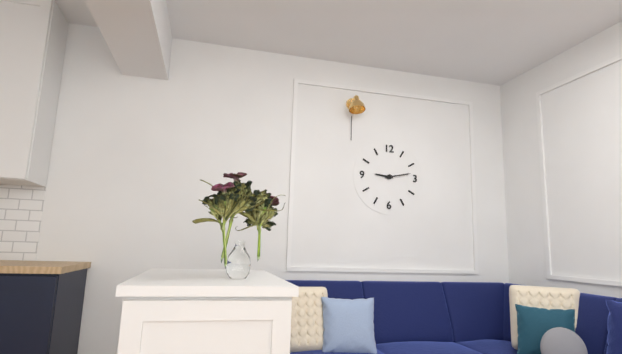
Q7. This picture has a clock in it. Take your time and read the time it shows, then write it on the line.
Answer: 9:13
